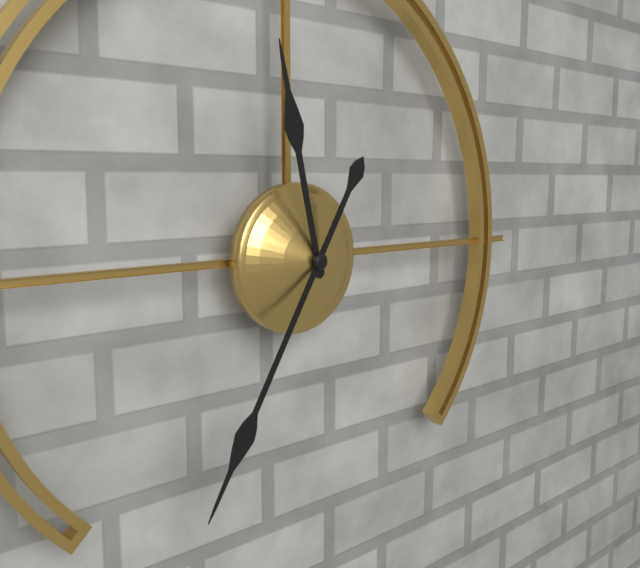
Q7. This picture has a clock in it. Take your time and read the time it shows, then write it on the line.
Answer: 11:35
